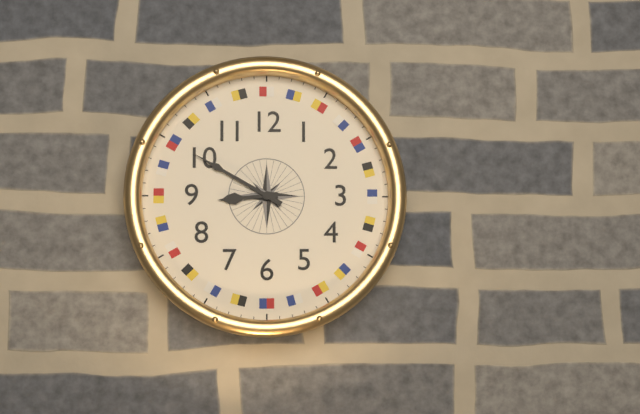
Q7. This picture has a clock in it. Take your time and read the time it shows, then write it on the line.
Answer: 8:50
